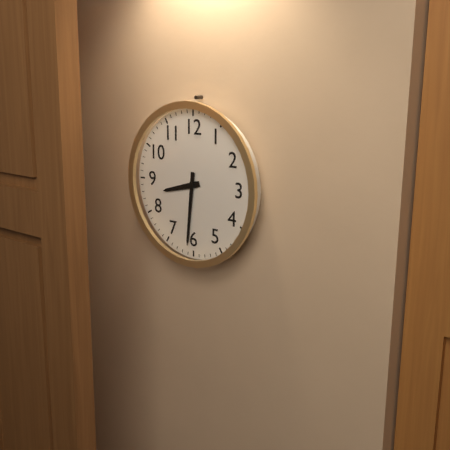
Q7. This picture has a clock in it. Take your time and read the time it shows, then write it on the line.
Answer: 8:31
